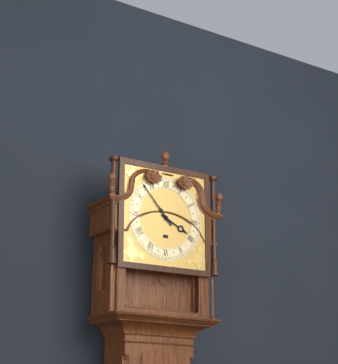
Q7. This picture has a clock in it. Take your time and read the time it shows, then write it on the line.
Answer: 3:53
